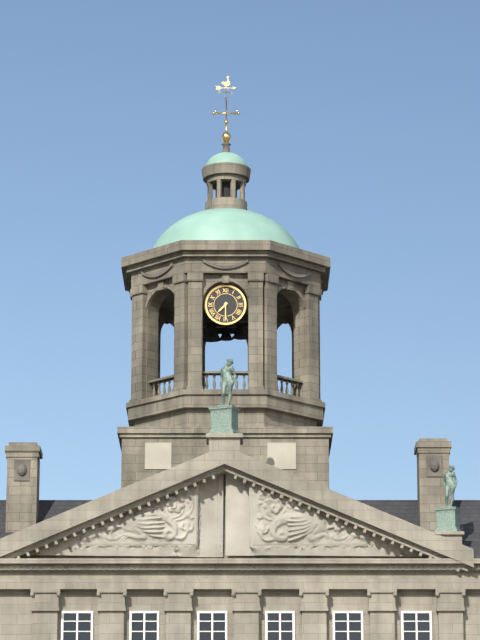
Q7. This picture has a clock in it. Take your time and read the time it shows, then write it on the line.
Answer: 7:30
